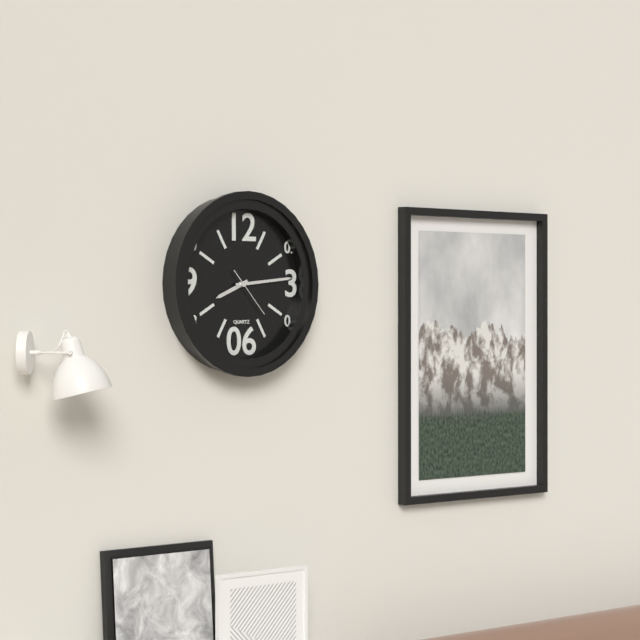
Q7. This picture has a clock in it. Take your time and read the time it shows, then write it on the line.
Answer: 8:14:23
